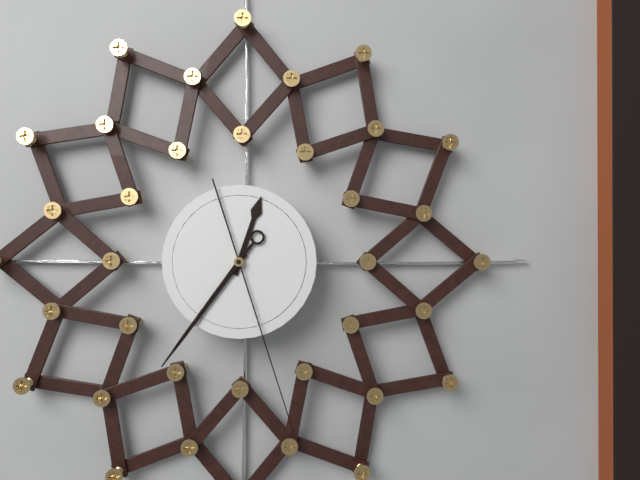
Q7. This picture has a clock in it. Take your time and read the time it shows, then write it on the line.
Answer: 12:36:27
